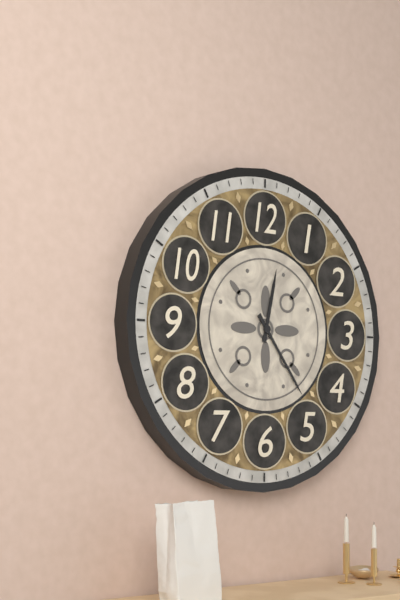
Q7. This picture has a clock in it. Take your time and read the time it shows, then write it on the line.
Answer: 12:24
